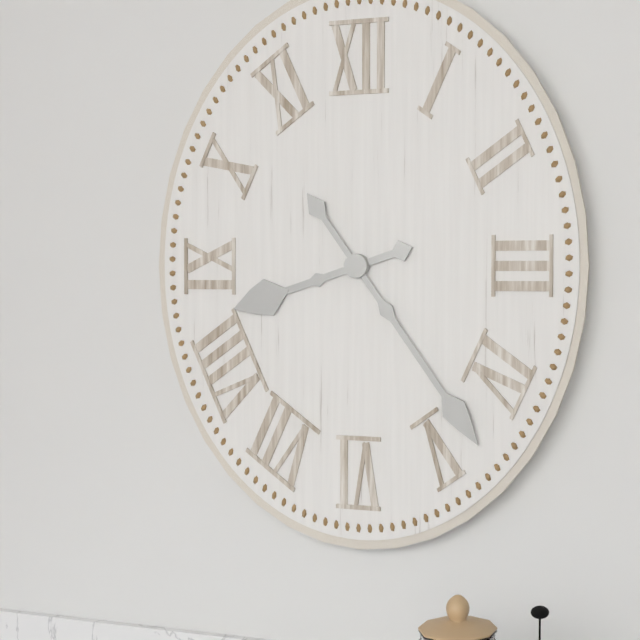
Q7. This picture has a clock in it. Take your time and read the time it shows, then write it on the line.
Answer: 8:24
